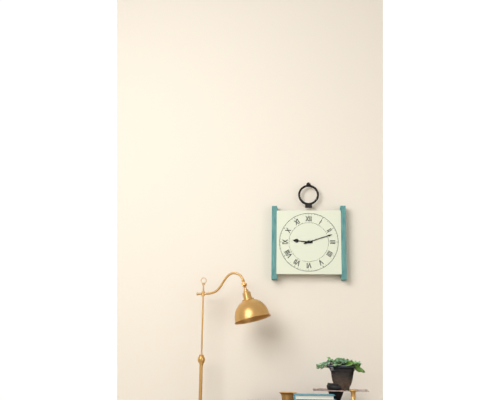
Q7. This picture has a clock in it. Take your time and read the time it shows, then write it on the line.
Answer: 9:12
